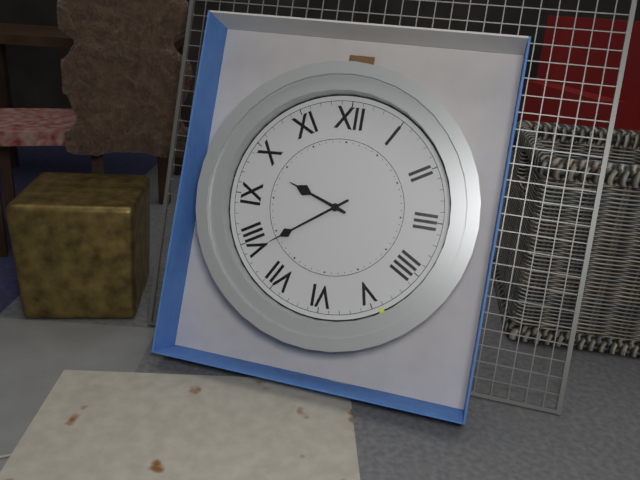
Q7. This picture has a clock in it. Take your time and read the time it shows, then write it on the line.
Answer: 9:39
